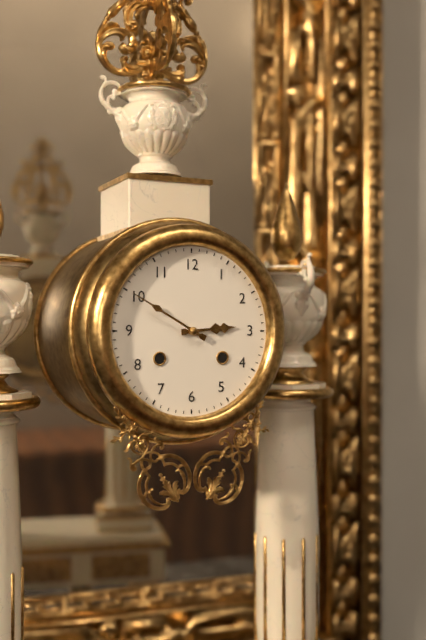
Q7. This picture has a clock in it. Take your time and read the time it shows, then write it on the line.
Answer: 2:50
